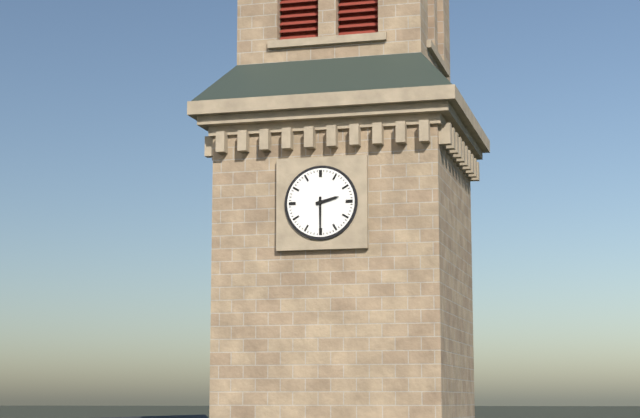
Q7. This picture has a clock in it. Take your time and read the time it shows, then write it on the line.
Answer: 2:30
